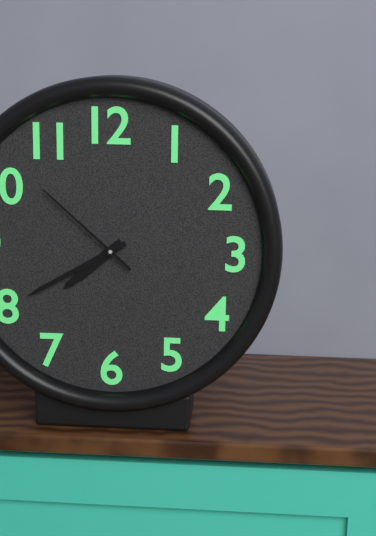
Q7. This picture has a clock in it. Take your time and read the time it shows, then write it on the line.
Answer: 7:40:52
